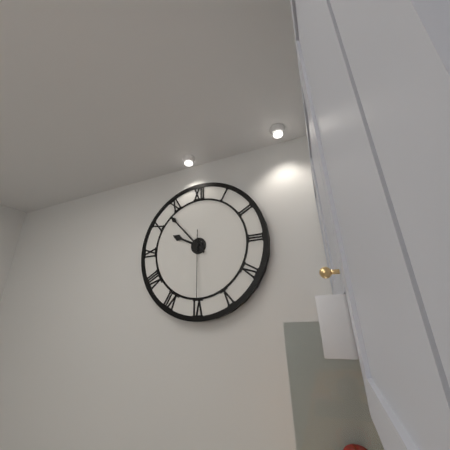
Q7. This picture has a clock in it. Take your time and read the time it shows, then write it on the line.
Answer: 9:53:30
